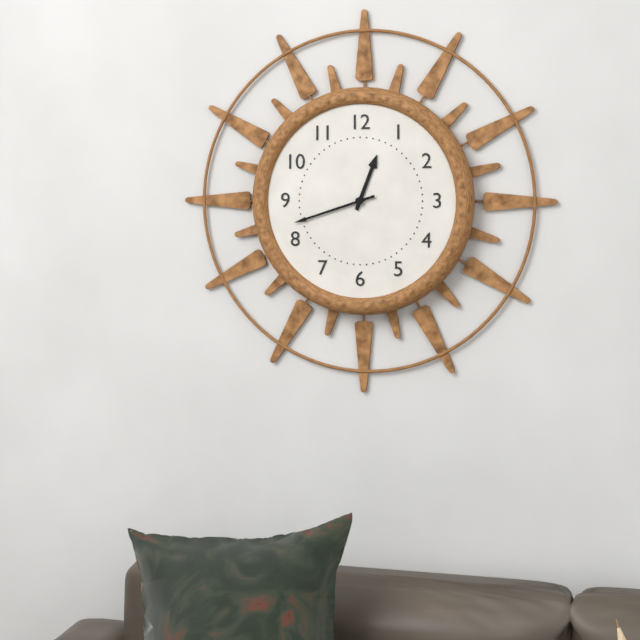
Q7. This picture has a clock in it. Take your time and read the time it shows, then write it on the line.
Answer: 12:42
